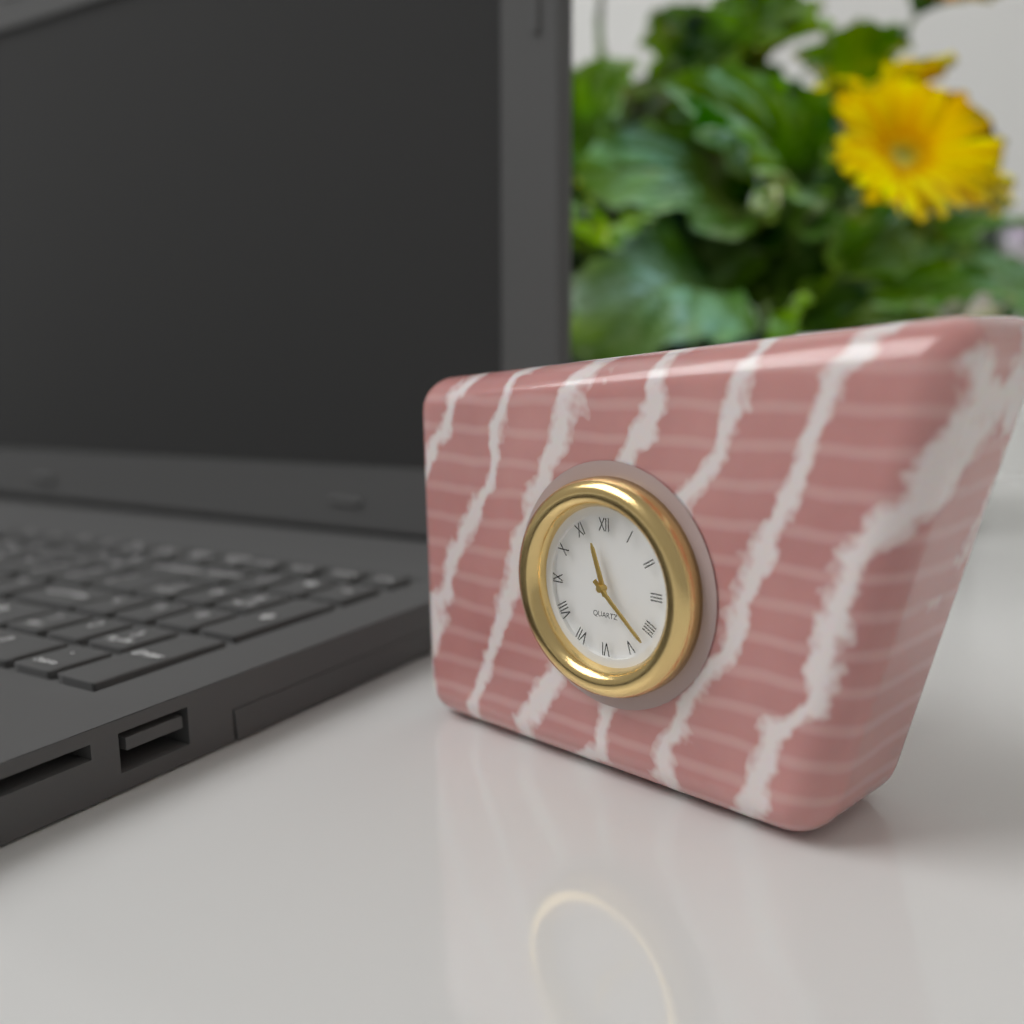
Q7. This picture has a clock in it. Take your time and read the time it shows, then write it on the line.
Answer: 11:22
